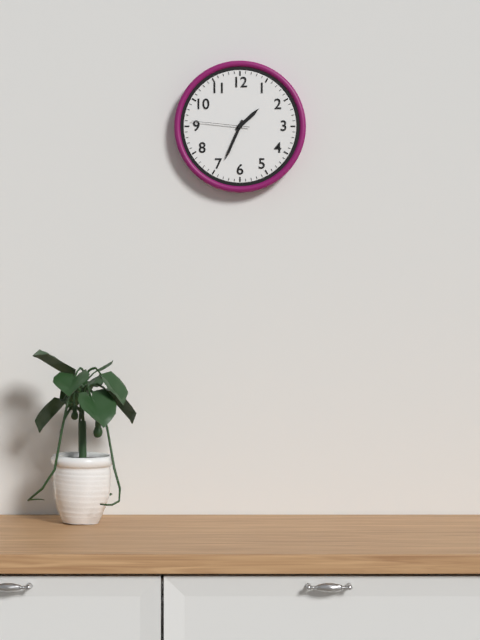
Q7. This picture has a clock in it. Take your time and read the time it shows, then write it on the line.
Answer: 1:34:46
